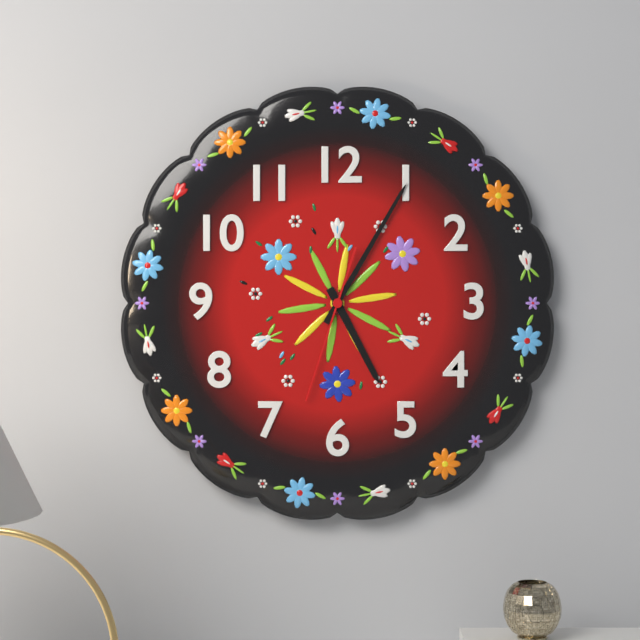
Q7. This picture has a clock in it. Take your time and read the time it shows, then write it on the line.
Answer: 5:05:33
